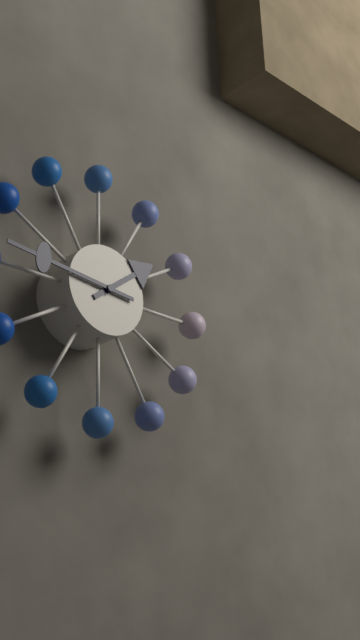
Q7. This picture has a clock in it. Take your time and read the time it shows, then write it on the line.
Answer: 1:46
